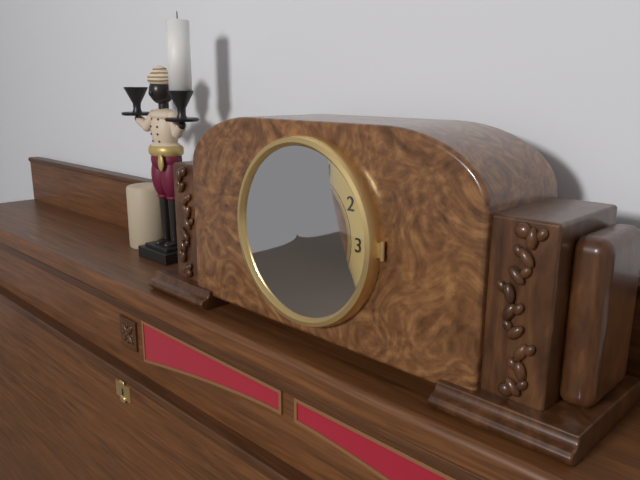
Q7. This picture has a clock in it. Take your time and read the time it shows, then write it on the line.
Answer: 1:21
